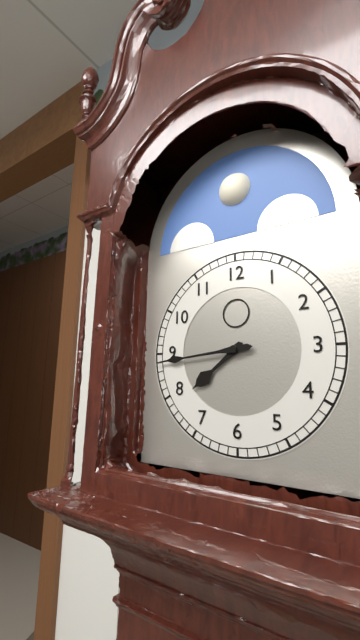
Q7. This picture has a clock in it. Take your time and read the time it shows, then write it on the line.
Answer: 7:44
